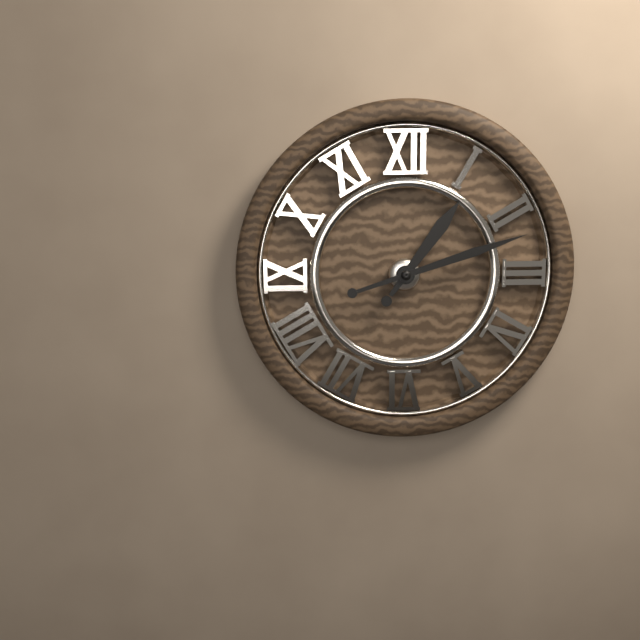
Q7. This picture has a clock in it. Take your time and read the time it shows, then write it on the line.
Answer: 1:12
